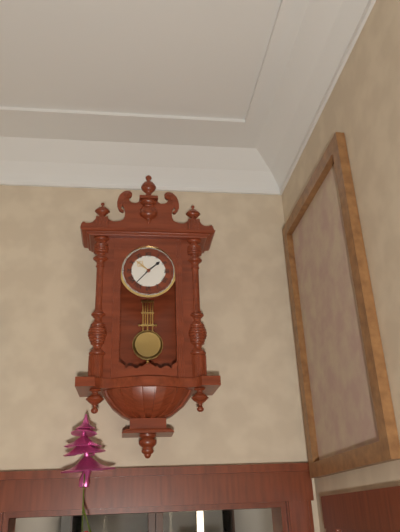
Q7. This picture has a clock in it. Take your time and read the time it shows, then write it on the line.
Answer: 1:37
